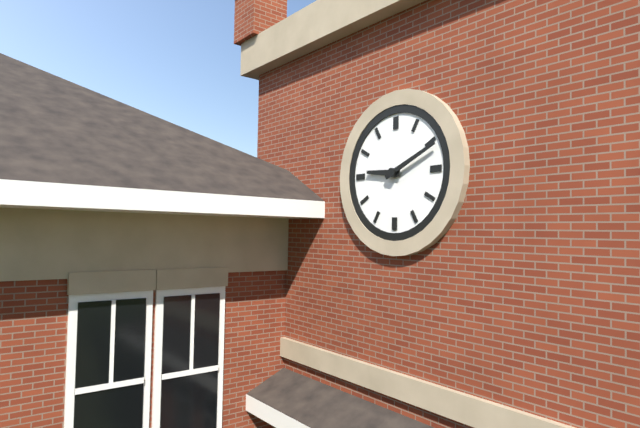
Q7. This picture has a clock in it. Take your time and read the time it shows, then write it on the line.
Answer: 9:11
